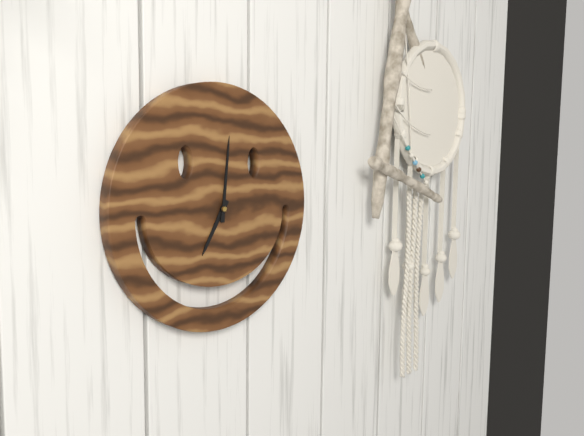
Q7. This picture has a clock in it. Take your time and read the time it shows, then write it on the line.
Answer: 7:01
